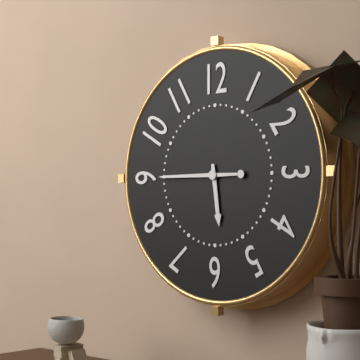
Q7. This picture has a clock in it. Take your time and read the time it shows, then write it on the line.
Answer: 5:45
